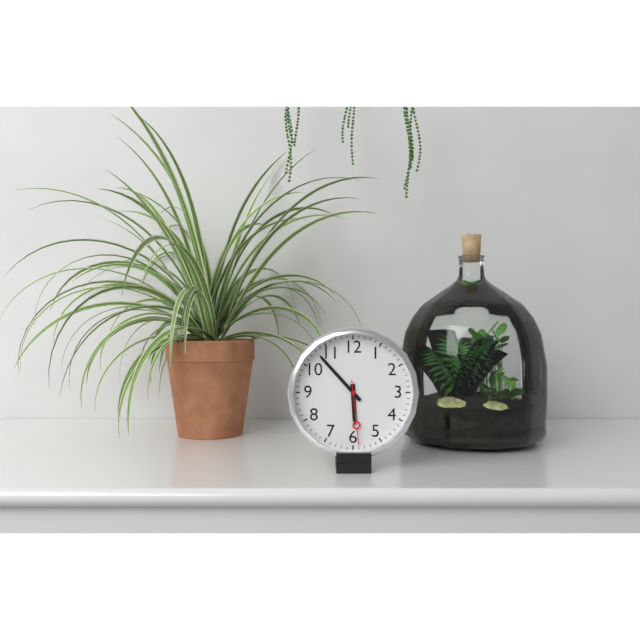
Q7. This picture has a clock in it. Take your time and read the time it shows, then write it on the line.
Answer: 5:53:29
